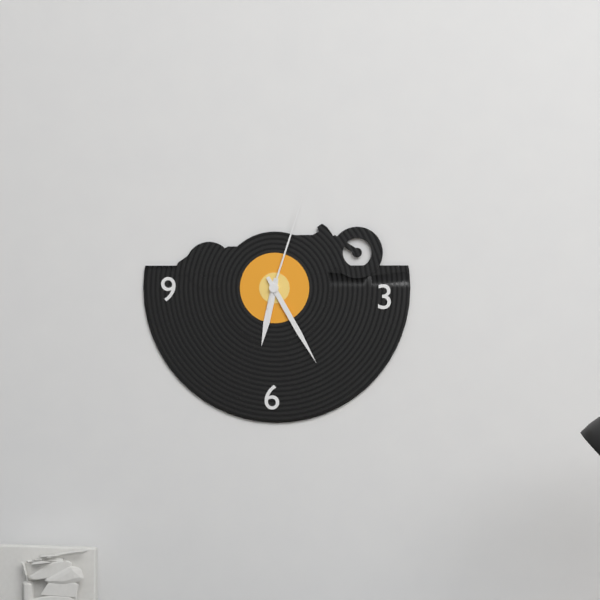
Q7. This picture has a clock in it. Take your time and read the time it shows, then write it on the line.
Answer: 6:25:03
